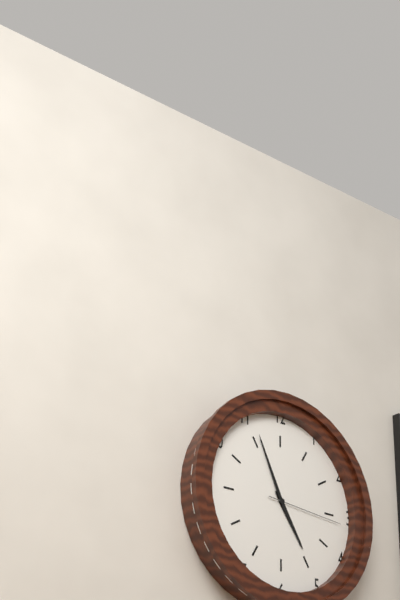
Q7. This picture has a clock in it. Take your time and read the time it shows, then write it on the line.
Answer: 4:56:16
